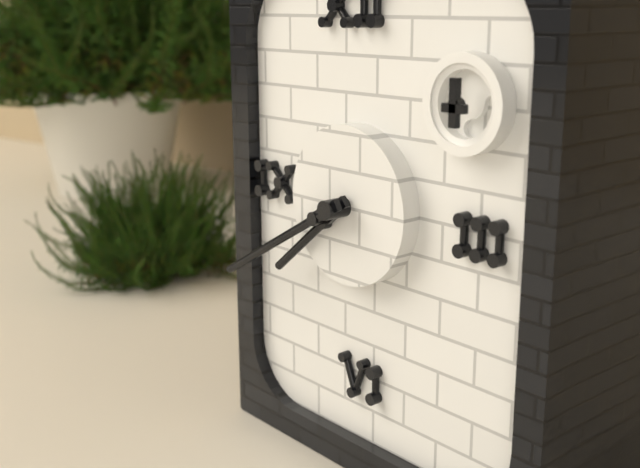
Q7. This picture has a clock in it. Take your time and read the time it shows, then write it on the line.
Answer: 7:40
